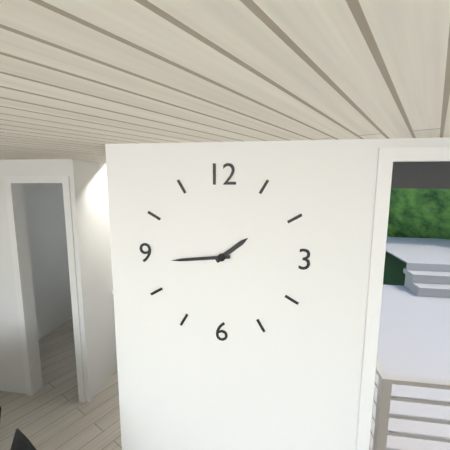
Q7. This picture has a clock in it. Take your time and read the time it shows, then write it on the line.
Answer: 1:44
